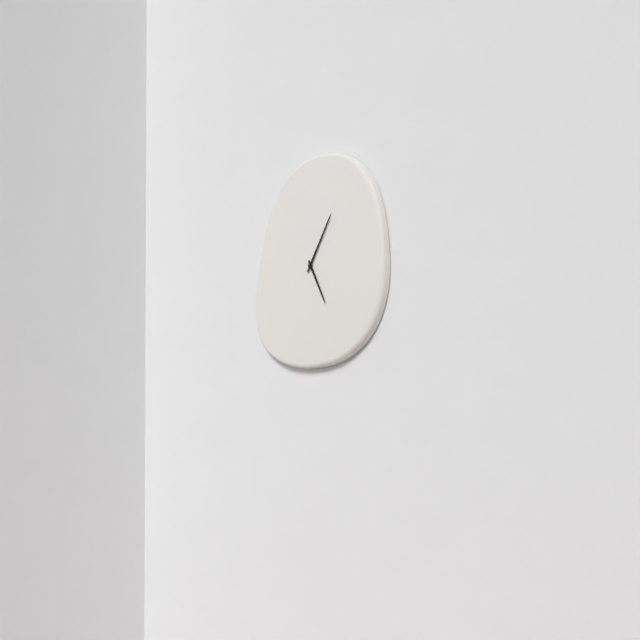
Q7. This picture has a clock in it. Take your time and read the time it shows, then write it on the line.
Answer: 5:05
